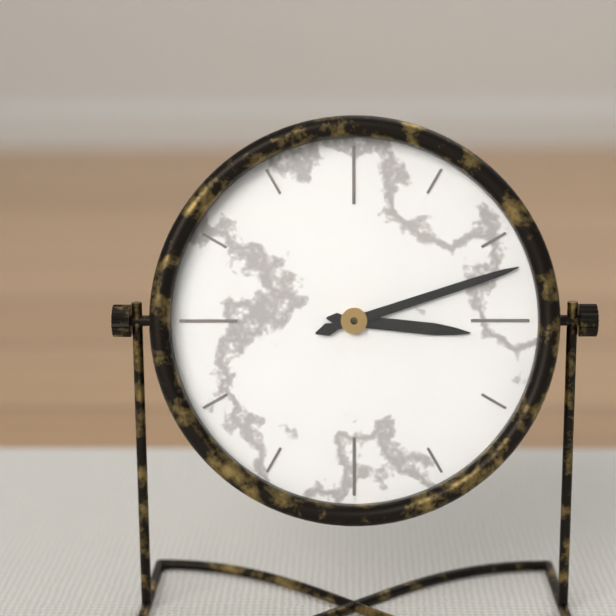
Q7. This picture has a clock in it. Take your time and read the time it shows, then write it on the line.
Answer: 3:12
